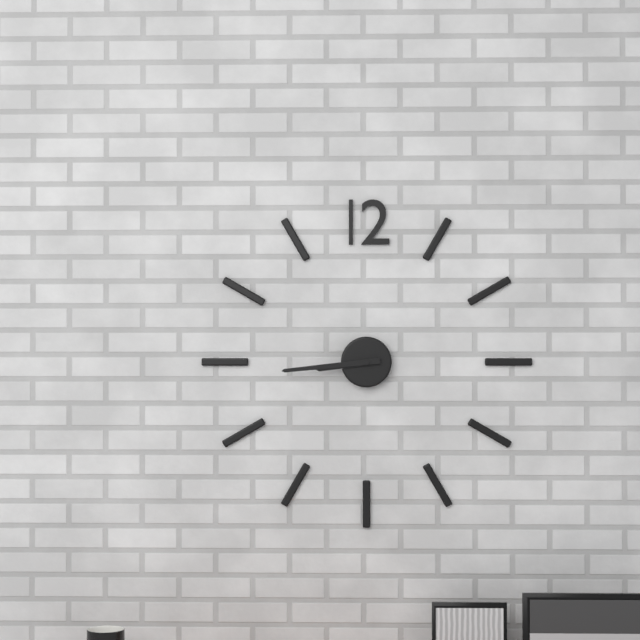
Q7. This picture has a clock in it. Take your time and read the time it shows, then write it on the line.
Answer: 8:44
